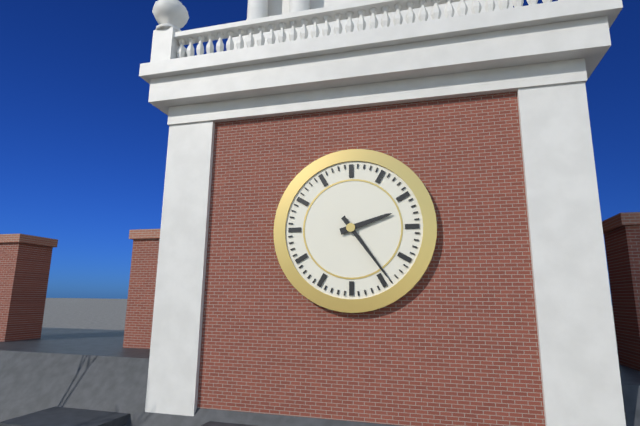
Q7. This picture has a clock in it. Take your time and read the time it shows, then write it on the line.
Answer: 2:24
